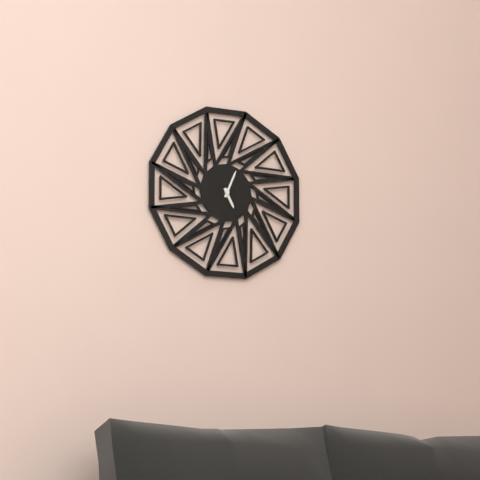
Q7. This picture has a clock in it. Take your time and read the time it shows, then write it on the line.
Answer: 5:04
